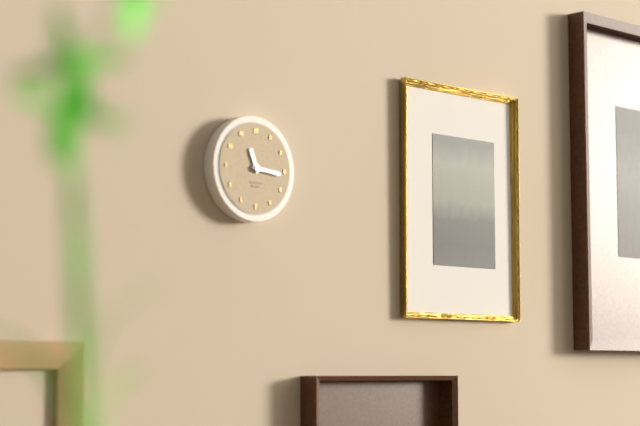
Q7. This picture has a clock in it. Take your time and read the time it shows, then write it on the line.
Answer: 11:16
